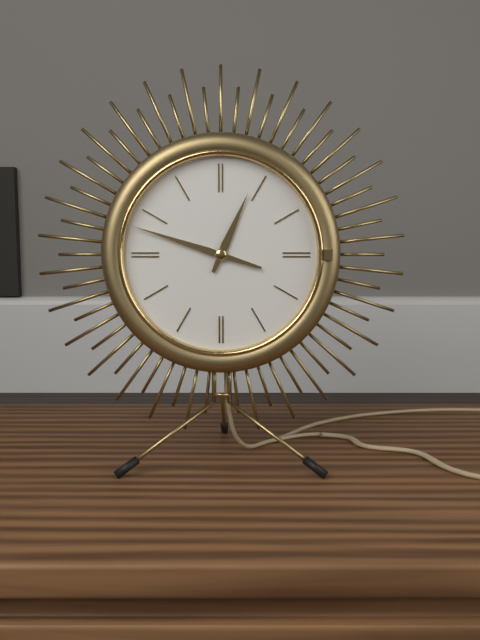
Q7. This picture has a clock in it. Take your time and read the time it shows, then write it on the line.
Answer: 12:48
